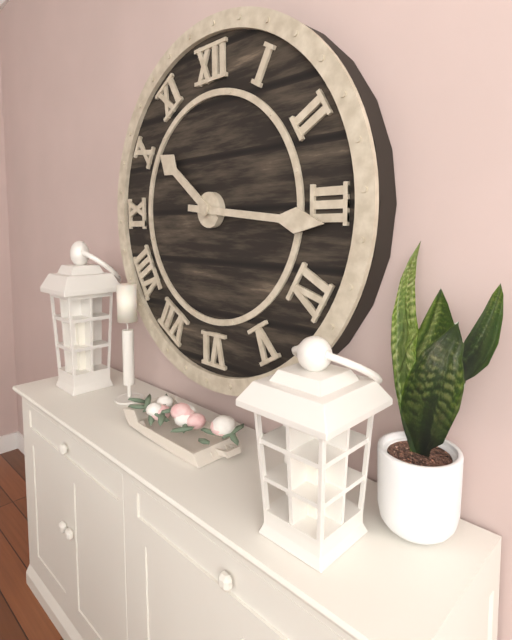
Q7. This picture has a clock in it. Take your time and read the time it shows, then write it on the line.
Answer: 10:16
